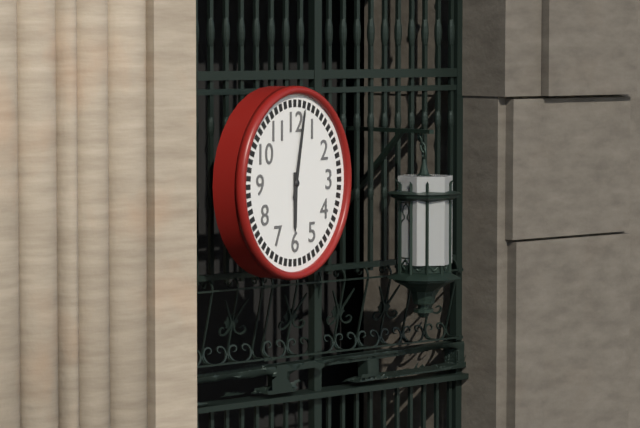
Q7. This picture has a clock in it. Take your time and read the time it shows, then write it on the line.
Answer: 6:02
